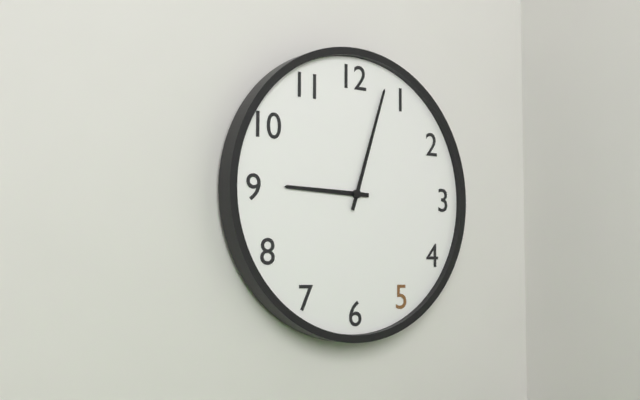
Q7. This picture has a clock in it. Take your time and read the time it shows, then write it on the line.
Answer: 9:03
